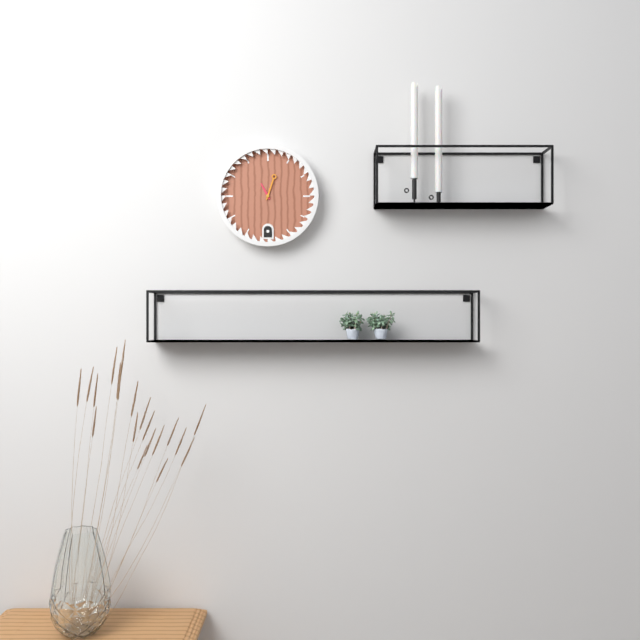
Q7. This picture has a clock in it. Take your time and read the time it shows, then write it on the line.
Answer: 11:03
